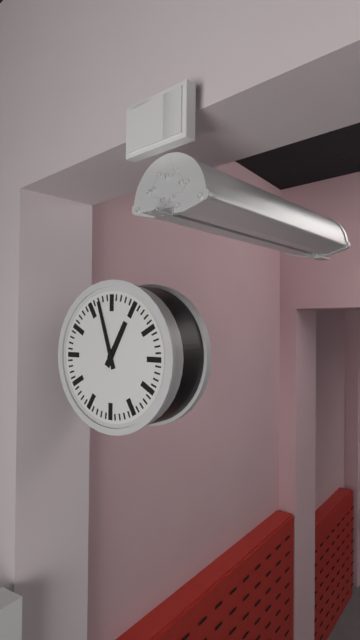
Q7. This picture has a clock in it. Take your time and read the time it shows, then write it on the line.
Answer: 12:57
